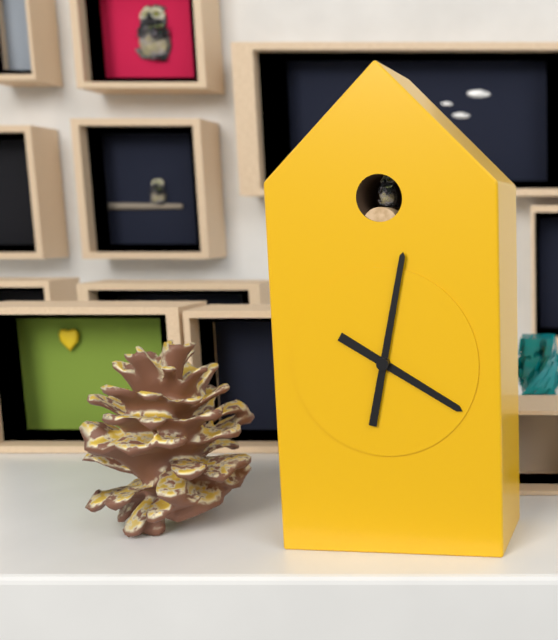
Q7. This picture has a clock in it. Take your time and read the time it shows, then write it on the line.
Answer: 4:02
